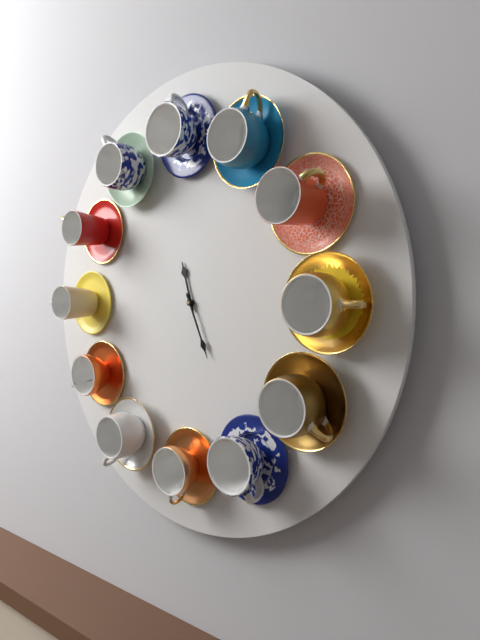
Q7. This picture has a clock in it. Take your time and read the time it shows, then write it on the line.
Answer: 11:26
